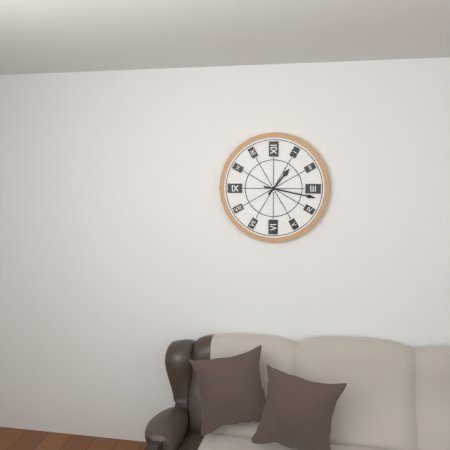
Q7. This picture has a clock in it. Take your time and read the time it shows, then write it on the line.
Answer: 1:17
